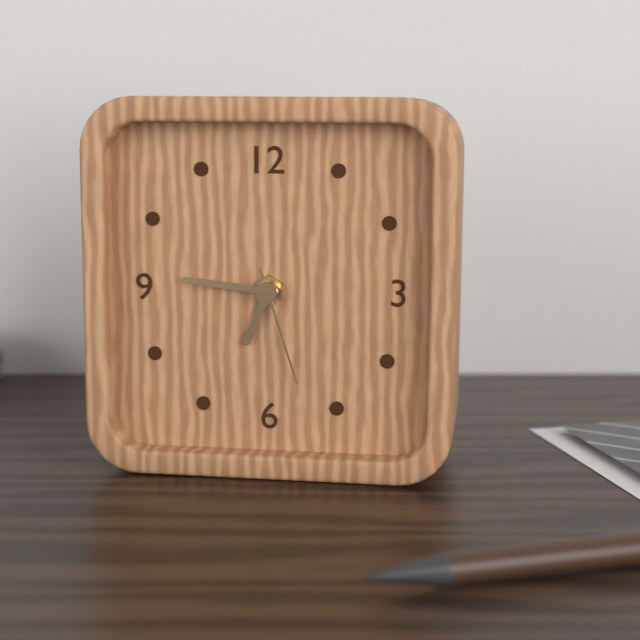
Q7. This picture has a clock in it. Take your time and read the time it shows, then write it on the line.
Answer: 6:46:27
